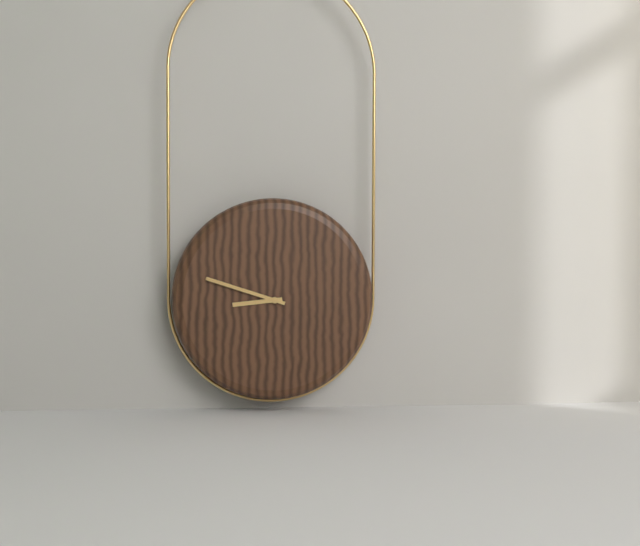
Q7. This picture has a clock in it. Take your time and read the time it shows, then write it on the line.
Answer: 8:48
